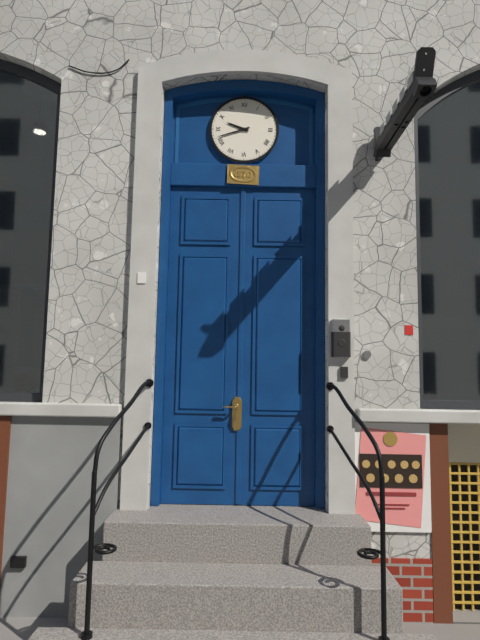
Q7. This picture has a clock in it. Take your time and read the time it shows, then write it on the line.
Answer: 9:42
